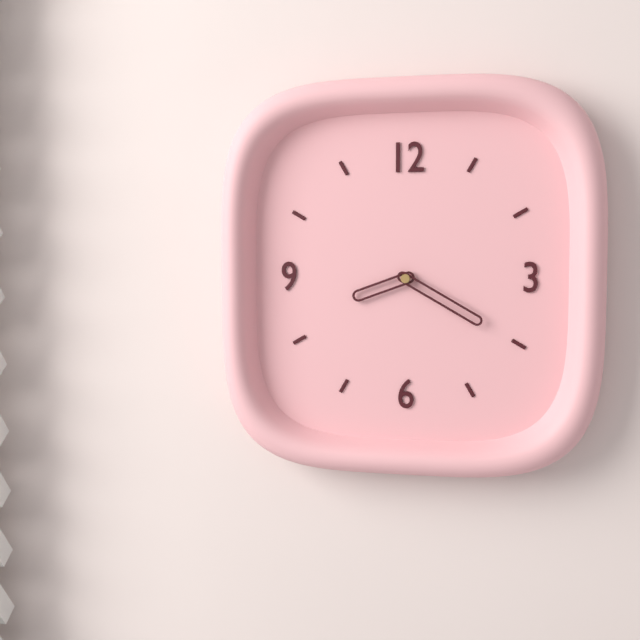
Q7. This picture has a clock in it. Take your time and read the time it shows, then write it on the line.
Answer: 8:20
